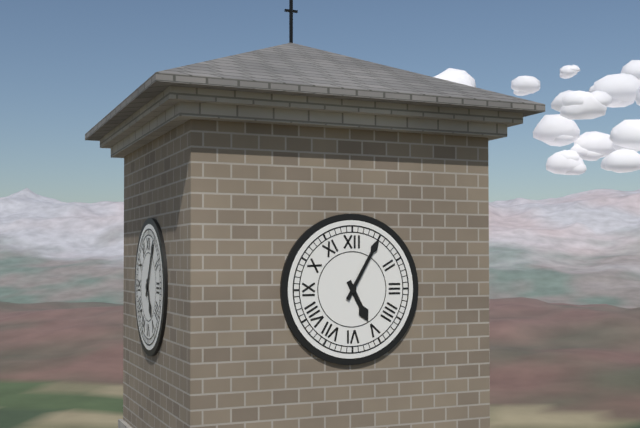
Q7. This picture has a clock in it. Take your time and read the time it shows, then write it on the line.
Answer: 5:05
